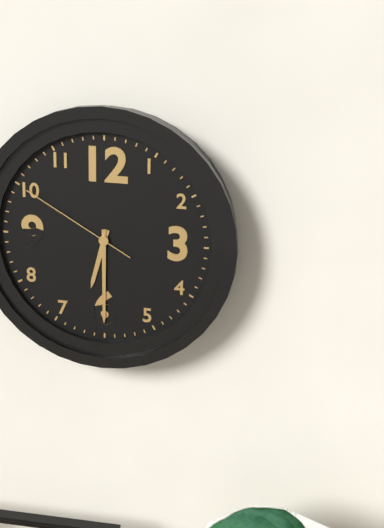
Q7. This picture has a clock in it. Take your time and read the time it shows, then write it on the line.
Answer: 6:30:50
